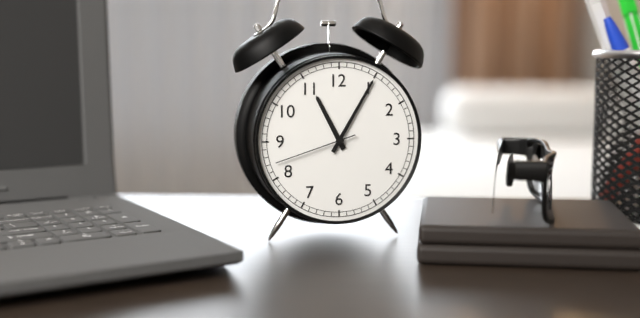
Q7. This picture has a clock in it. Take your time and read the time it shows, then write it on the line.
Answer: 11:05:42
